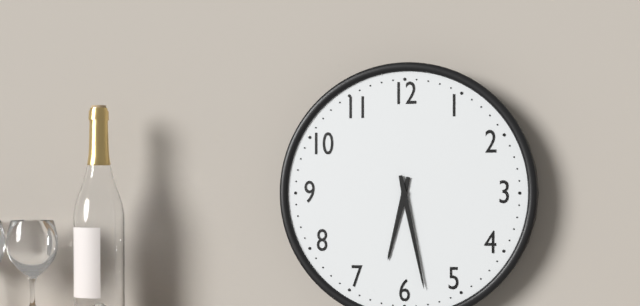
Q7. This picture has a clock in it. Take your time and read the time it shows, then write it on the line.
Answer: 6:28
